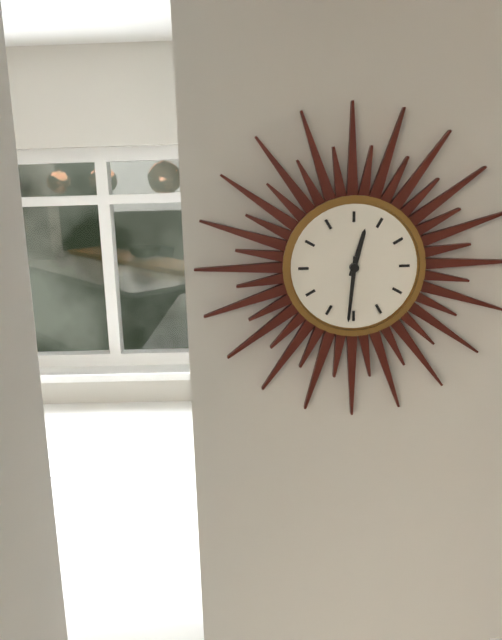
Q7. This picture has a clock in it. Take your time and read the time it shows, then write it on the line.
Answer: 12:31
